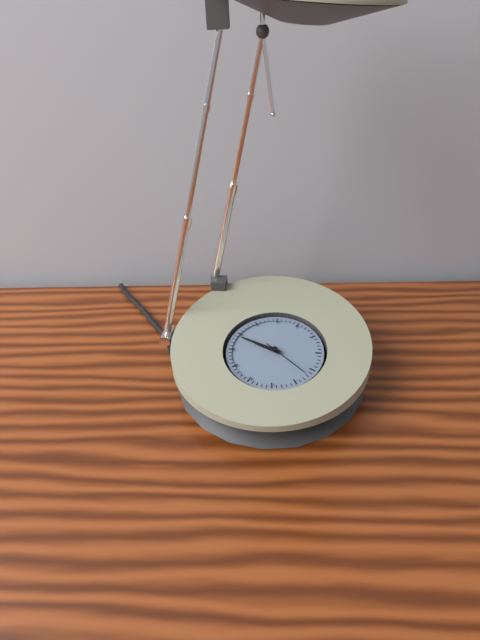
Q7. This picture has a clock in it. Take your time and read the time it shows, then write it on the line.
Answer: 9:49
